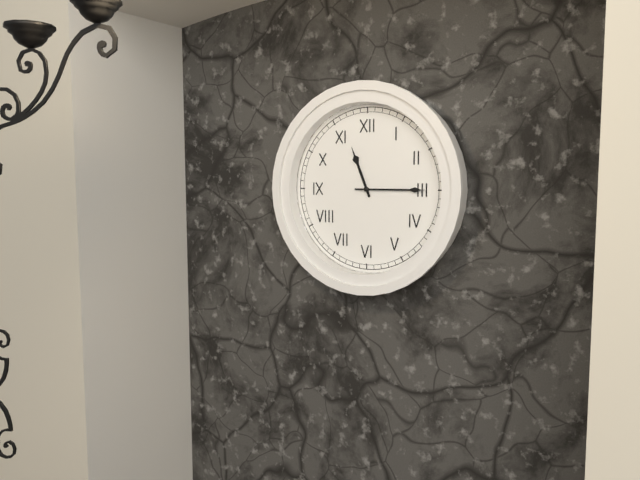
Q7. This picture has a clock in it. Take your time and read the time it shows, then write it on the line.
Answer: 11:15
